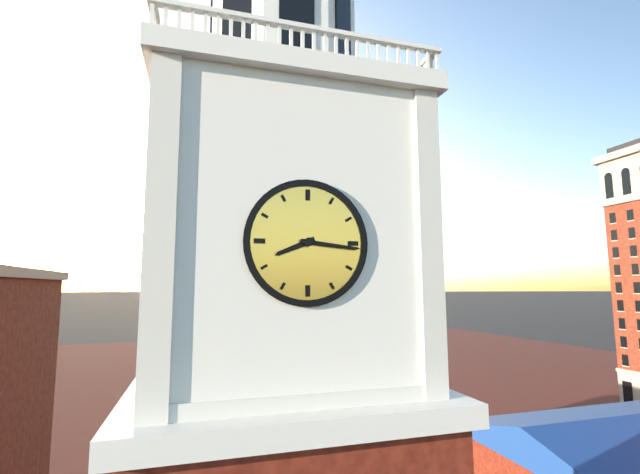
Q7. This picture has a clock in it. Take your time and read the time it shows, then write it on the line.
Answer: 8:16
